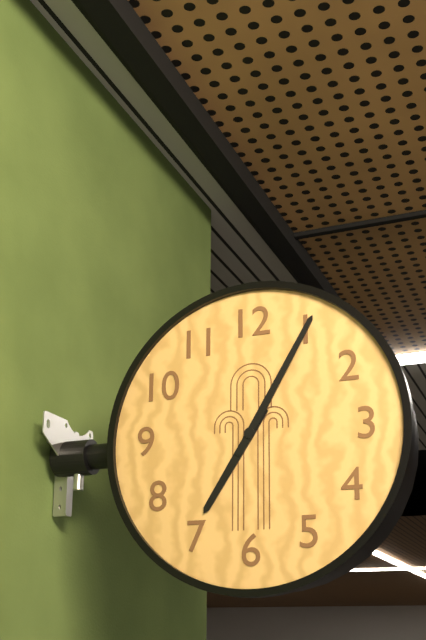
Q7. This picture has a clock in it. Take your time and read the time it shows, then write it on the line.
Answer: 7:05
